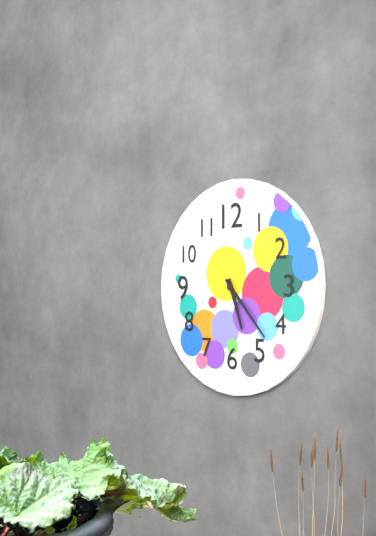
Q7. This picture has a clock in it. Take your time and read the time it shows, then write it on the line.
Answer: 5:23
